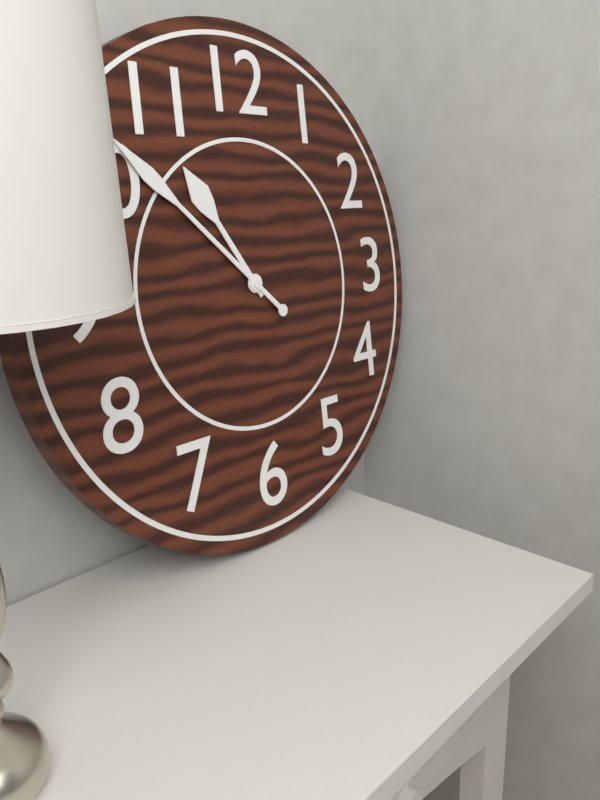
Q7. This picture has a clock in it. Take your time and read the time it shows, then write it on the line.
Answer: 10:52
